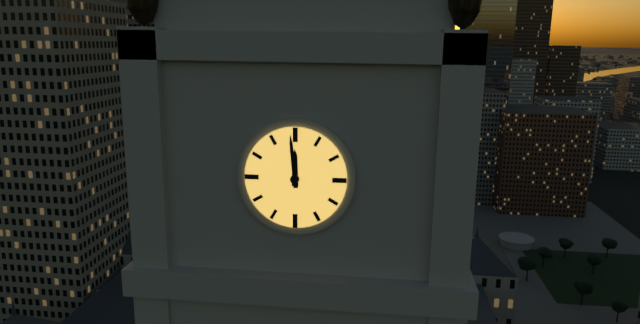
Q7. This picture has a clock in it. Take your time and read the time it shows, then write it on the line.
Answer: 11:59
